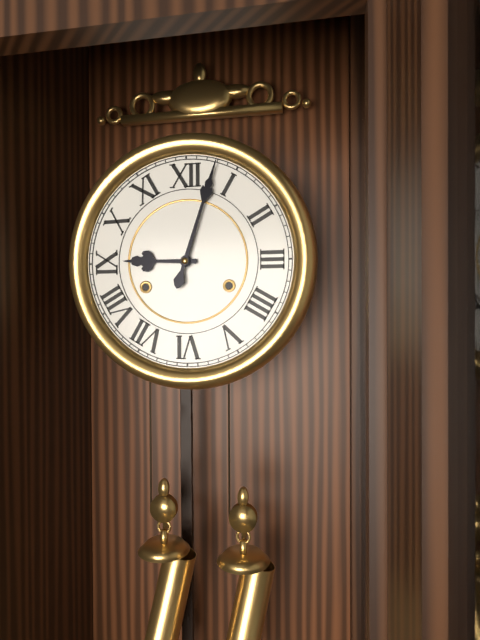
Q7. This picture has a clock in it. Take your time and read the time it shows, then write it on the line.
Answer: 9:03
